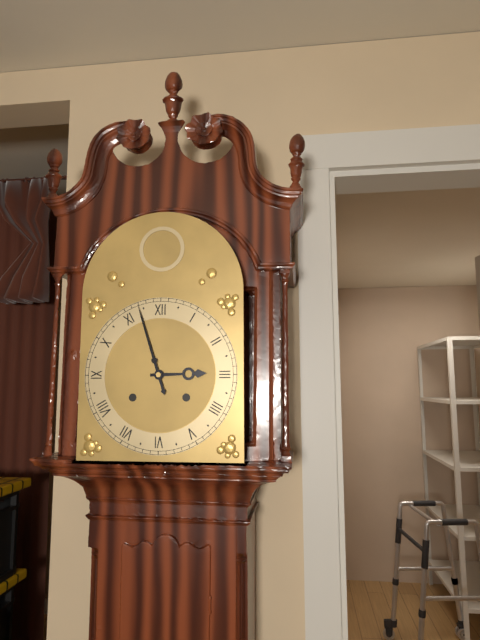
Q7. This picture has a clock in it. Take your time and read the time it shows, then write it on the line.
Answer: 2:57
